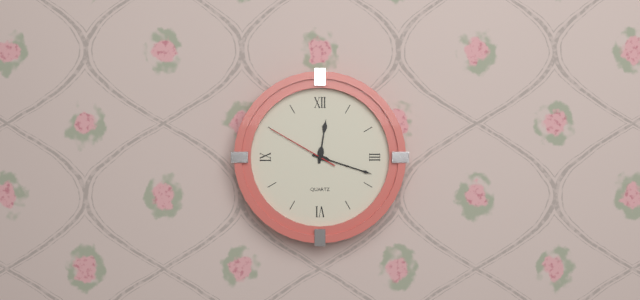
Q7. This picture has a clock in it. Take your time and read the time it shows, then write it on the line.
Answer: 12:18:50
